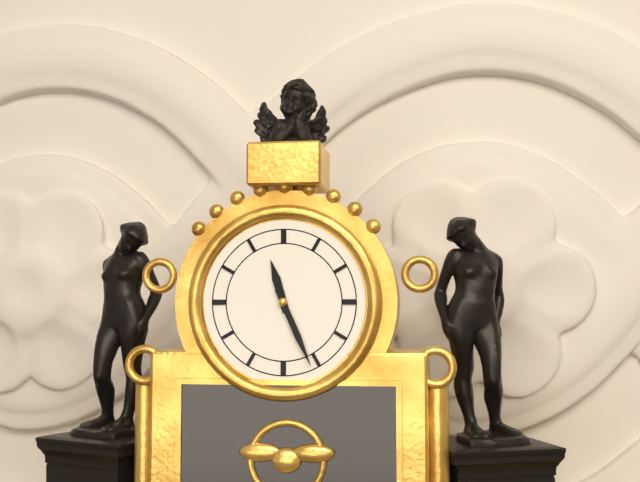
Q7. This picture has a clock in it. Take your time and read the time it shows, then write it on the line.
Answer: 11:26
